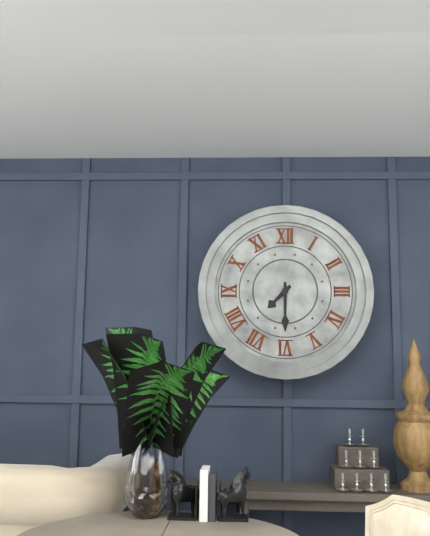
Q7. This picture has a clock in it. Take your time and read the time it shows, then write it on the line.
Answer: 7:30
